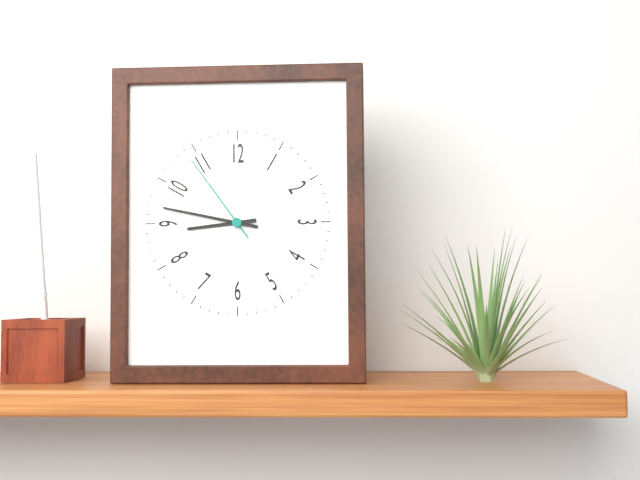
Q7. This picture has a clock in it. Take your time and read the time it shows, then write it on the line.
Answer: 8:47:54
